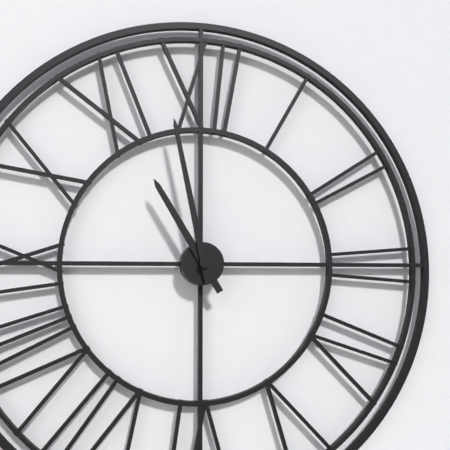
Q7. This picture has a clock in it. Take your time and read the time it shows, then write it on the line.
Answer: 10:58
